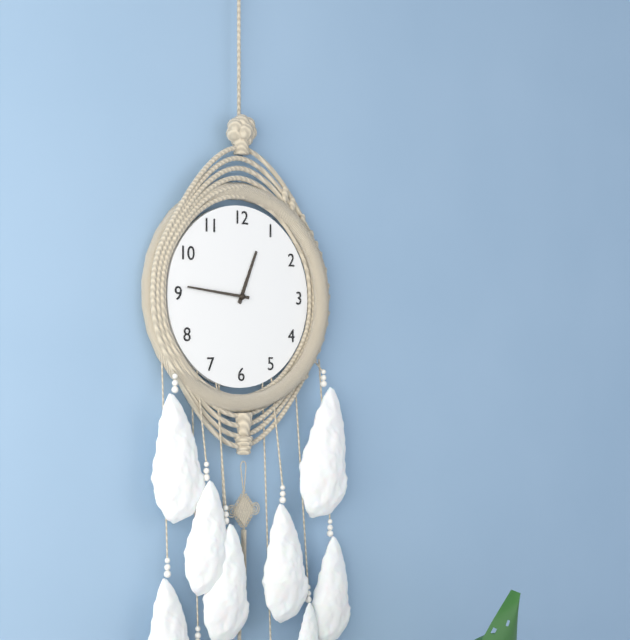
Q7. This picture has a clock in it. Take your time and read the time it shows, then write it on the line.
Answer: 12:46
